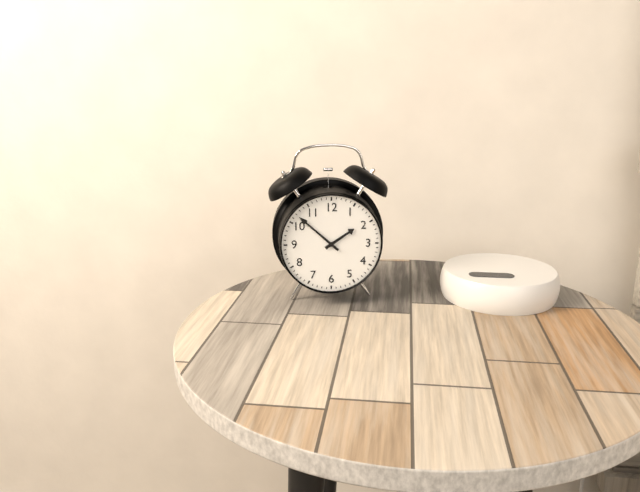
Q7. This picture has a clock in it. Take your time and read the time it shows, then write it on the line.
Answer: 1:52
